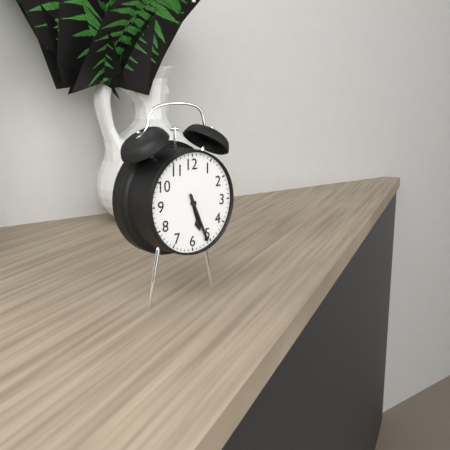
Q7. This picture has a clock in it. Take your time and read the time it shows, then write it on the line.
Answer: 5:26
